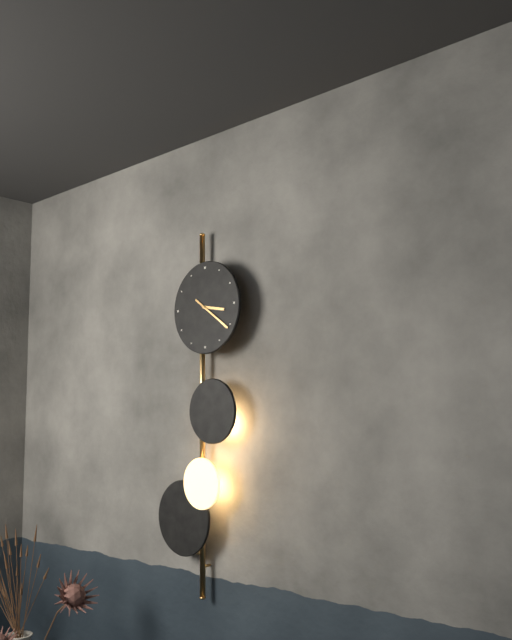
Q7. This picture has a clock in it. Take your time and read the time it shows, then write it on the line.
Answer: 3:21
